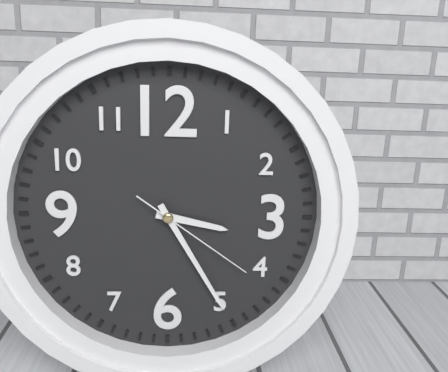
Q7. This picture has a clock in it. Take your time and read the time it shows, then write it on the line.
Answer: 3:25:21
